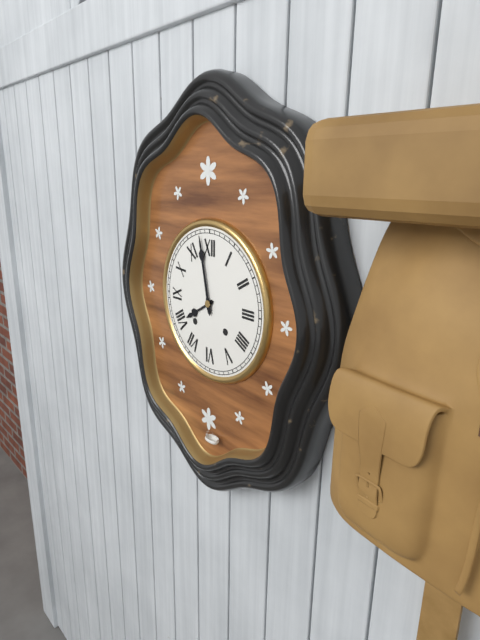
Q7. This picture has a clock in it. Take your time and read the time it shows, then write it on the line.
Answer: 7:58
